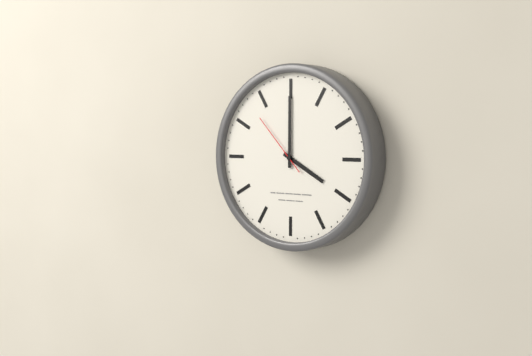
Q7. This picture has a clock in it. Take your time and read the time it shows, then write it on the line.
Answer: 4:00:53
